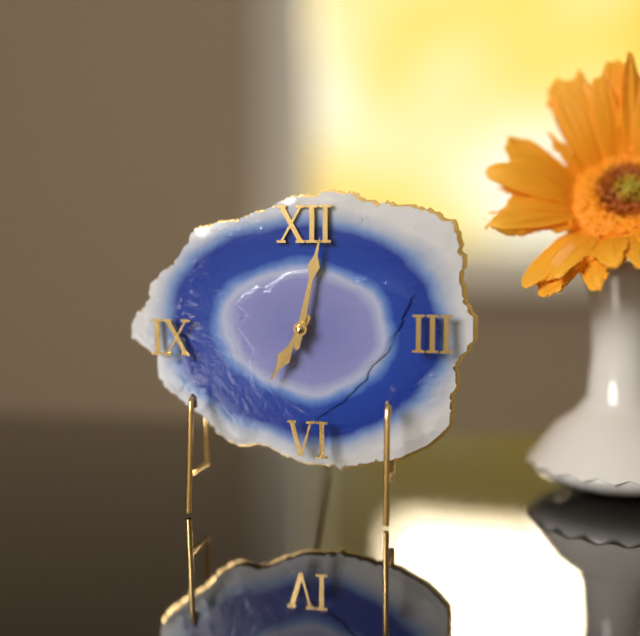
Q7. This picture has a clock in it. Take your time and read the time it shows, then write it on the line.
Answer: 7:02
